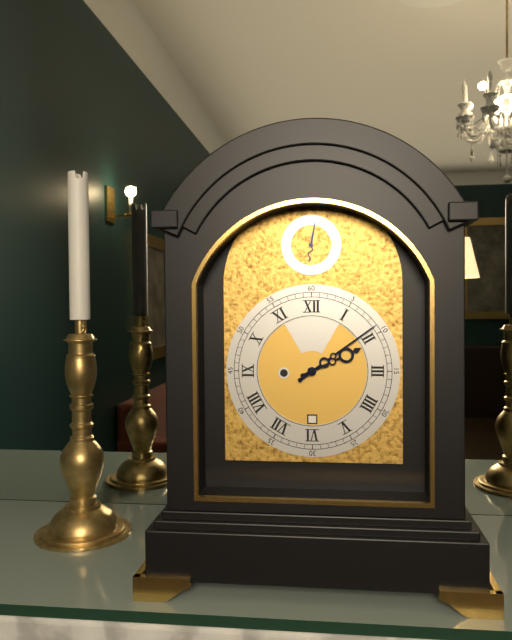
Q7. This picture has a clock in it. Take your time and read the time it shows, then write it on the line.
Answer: 2:09
